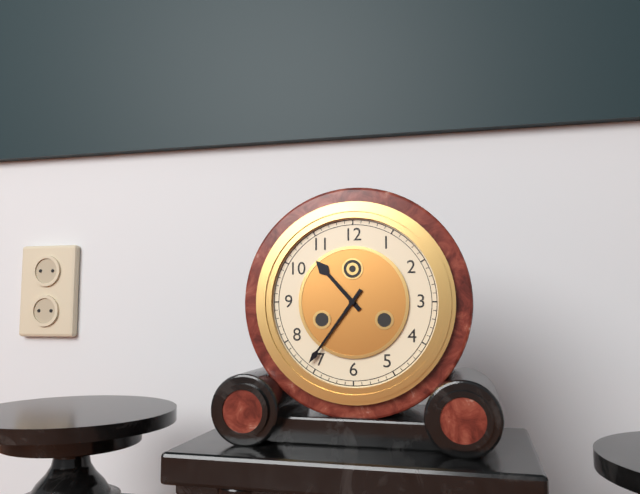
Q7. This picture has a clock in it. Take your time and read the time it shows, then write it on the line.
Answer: 10:36
